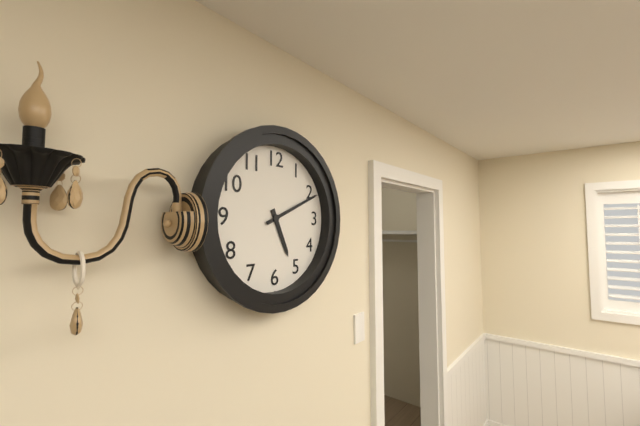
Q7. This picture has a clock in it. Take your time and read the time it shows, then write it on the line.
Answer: 5:11
